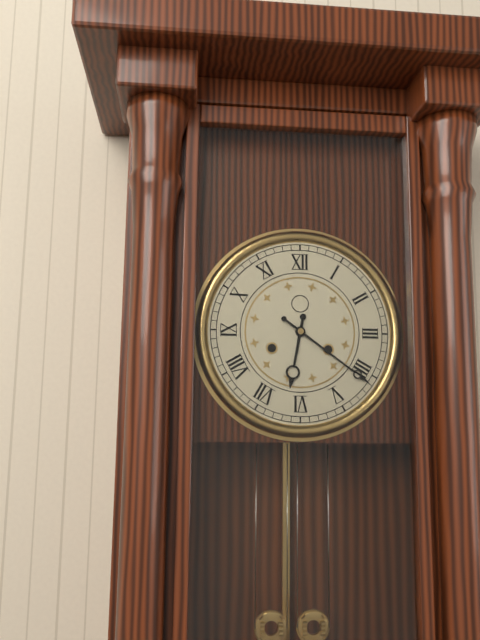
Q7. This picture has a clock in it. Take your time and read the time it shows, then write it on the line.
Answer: 6:21
